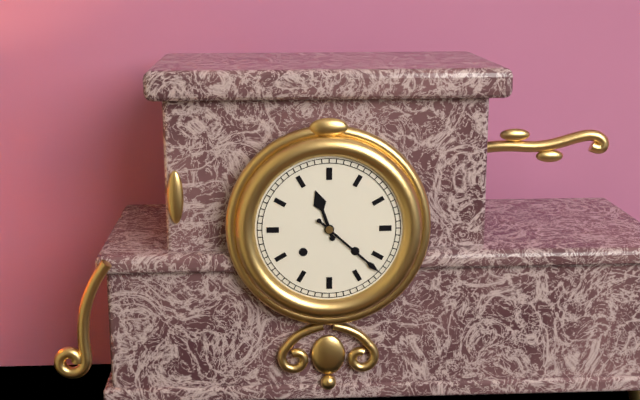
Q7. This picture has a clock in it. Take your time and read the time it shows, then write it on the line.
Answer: 11:22
